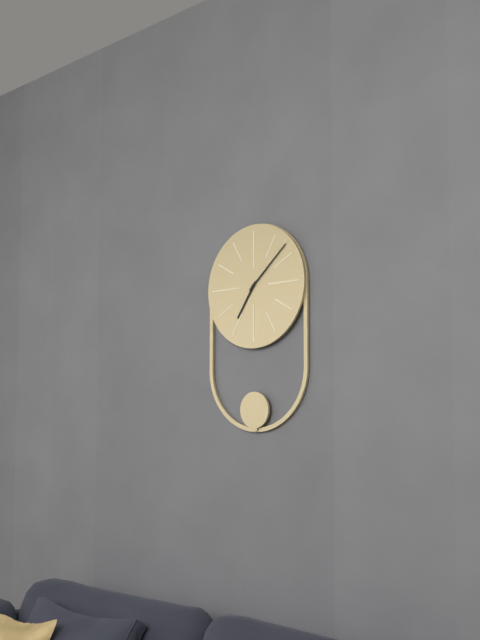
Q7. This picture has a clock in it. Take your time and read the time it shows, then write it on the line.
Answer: 7:08
